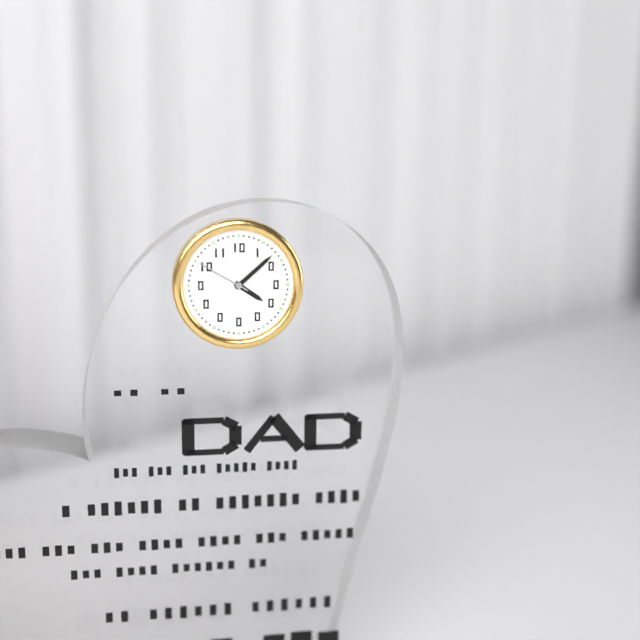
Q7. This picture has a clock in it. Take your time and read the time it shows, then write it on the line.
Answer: 4:08:50
